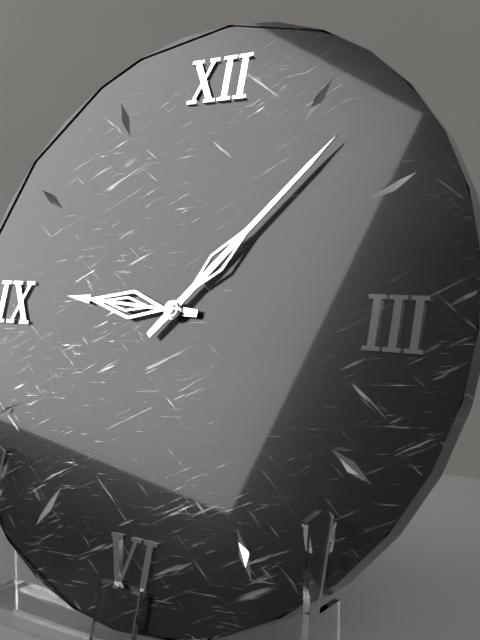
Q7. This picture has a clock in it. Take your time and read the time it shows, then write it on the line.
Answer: 9:07
